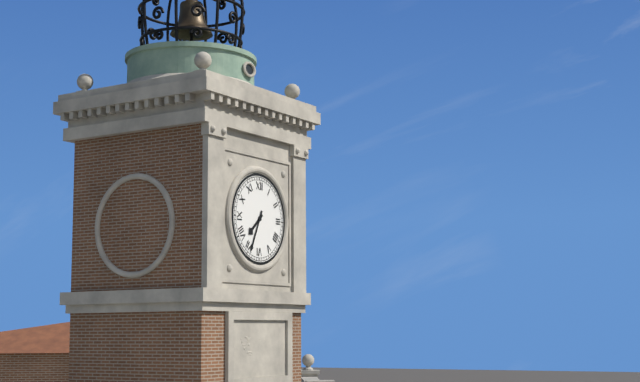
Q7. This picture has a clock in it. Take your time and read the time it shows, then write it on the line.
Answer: 7:34
